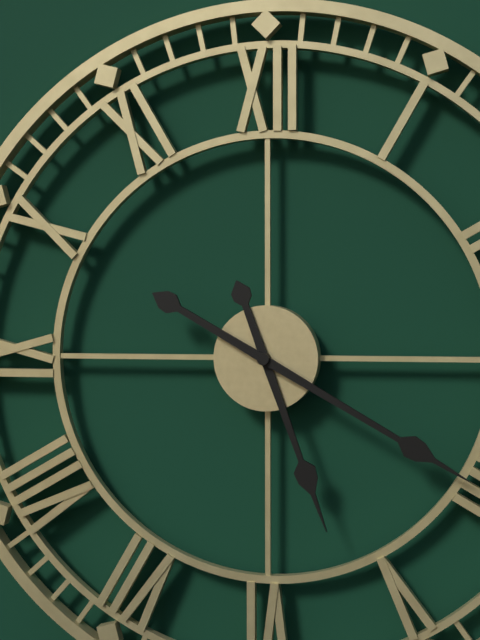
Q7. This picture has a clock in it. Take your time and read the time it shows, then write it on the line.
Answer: 5:20
